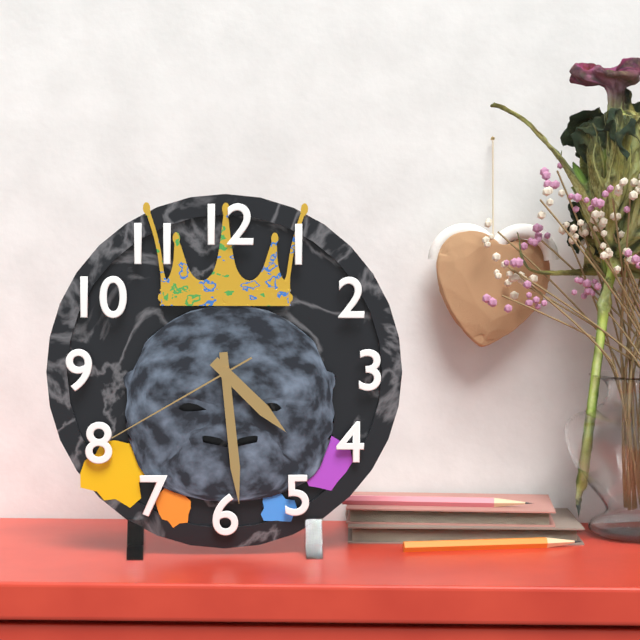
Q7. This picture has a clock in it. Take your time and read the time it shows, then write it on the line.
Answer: 4:29:40
